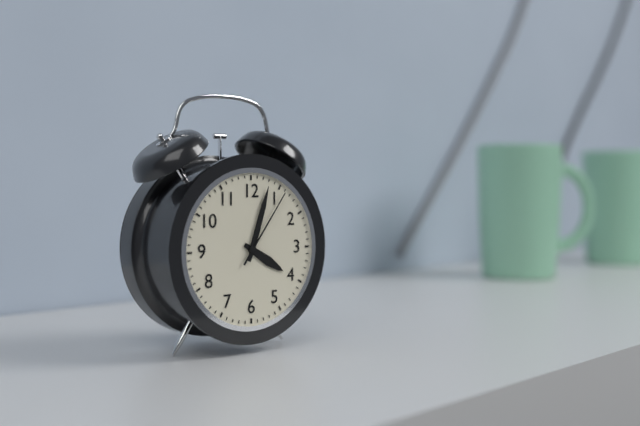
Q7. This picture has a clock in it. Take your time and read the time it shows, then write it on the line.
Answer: 4:03:06
